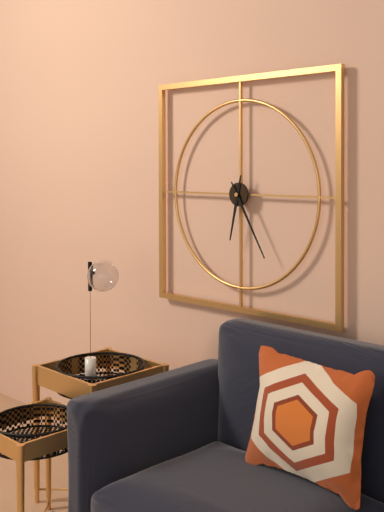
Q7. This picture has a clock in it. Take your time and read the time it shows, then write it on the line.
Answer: 6:25
